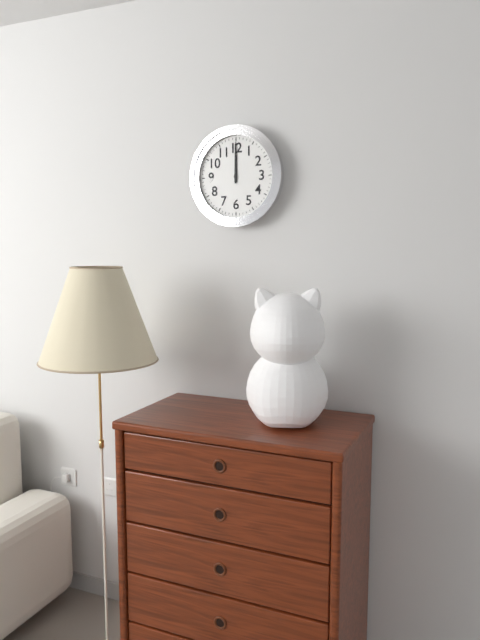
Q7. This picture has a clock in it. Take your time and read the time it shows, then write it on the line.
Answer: 12:00
